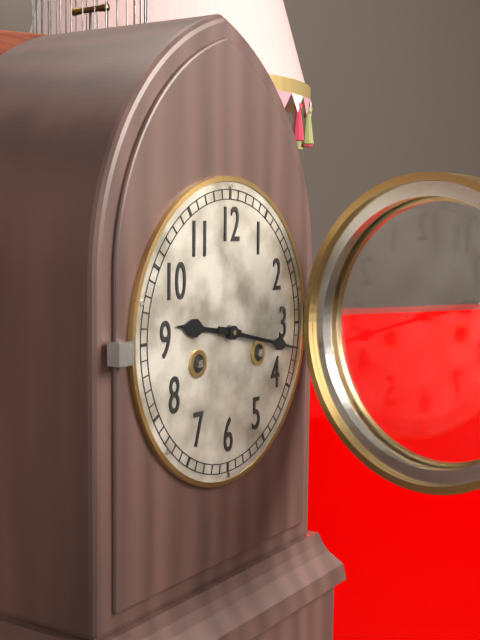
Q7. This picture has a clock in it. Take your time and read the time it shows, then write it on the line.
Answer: 9:17
